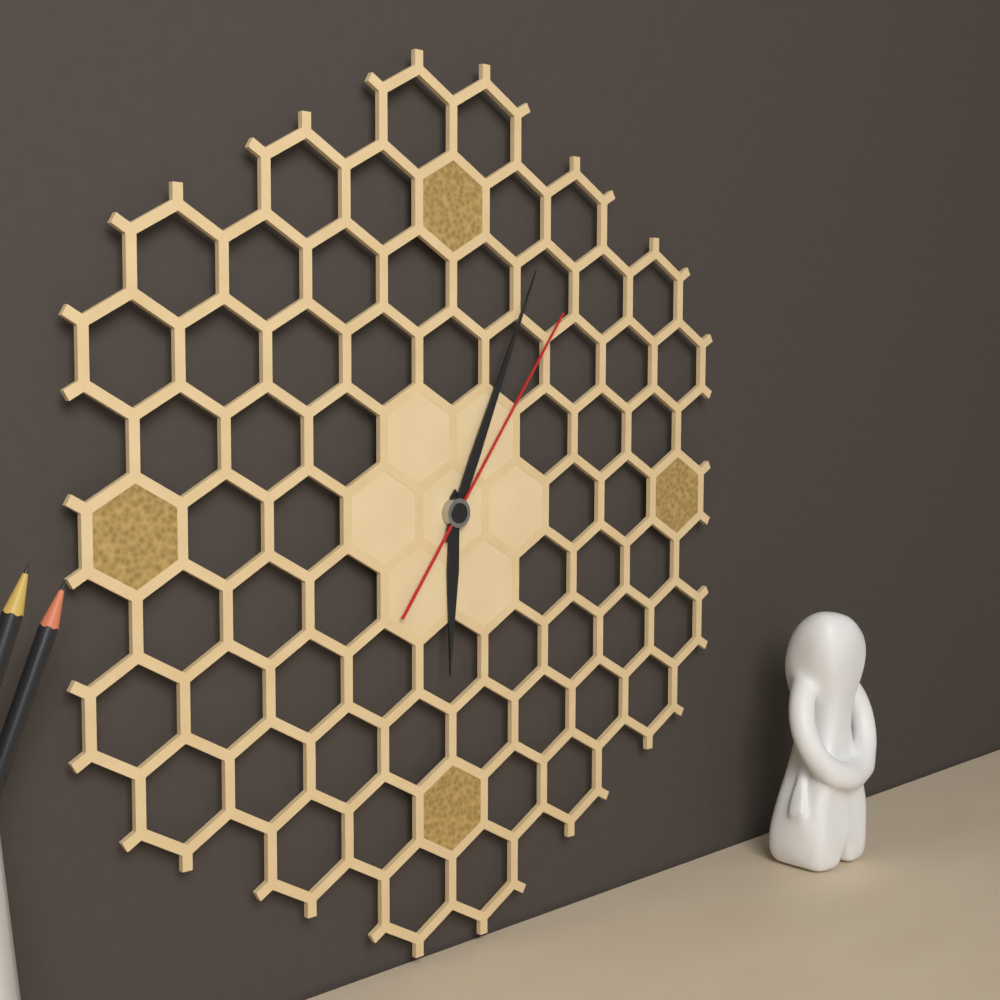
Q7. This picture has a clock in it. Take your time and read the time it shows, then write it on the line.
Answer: 6:04:06
